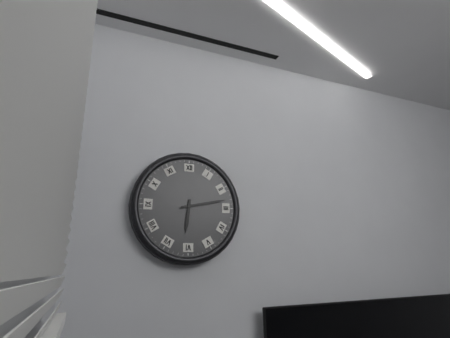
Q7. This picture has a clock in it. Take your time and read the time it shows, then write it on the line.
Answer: 6:13
